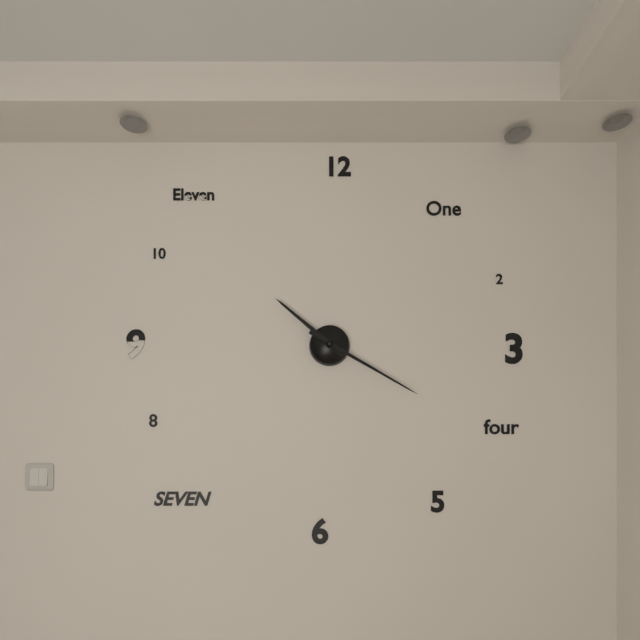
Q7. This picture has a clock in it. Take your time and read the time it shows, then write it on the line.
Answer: 10:20
